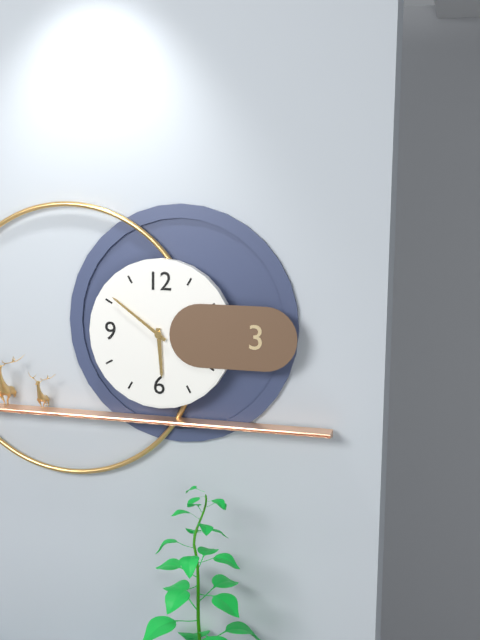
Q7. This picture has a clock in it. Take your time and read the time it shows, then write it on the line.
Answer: 5:51
